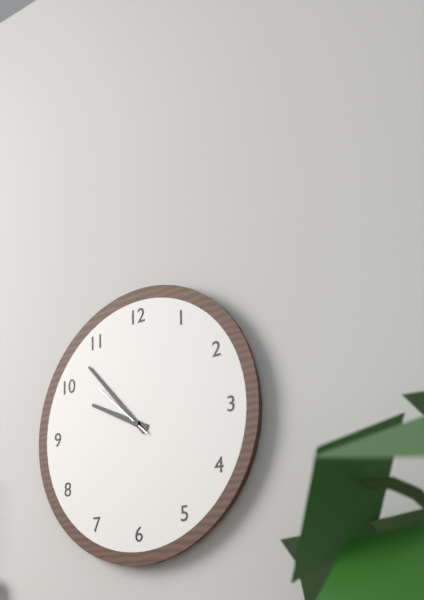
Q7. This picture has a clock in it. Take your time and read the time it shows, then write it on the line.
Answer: 9:53:52
